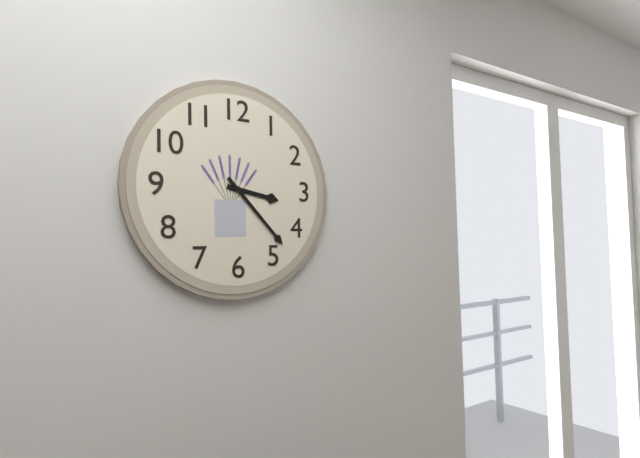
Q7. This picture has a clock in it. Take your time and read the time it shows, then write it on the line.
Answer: 3:23
